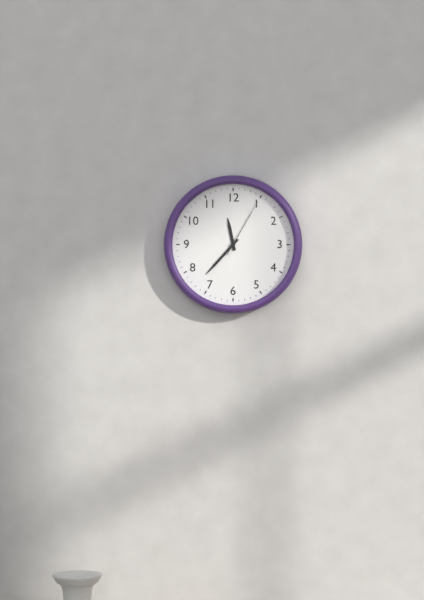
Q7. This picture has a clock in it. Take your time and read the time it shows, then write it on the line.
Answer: 11:37:05
